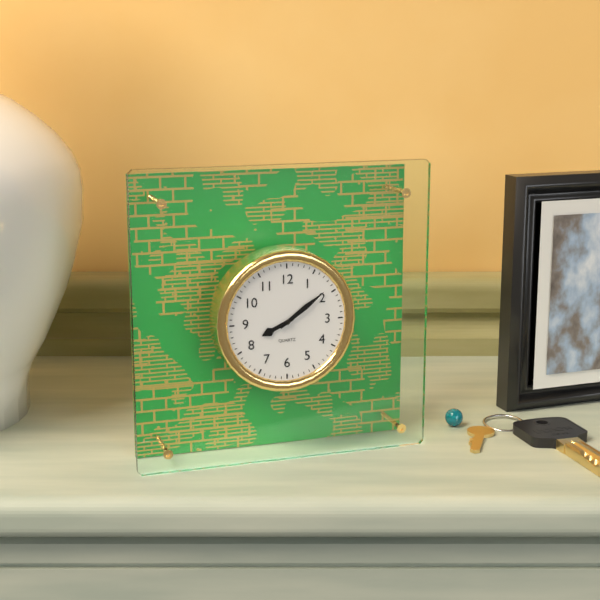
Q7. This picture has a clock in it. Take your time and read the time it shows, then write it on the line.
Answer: 8:09
